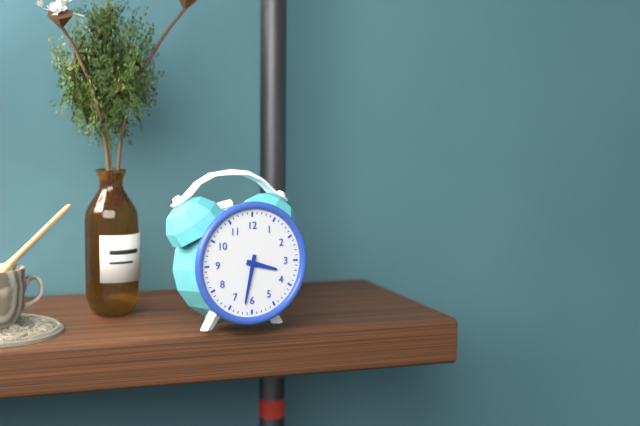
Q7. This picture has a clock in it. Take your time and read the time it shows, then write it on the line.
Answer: 3:32
